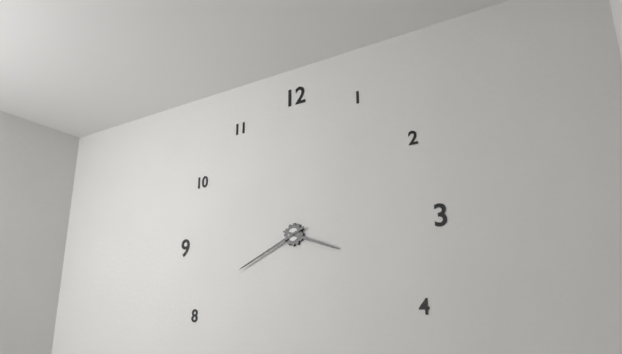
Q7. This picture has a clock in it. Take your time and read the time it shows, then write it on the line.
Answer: 3:41
